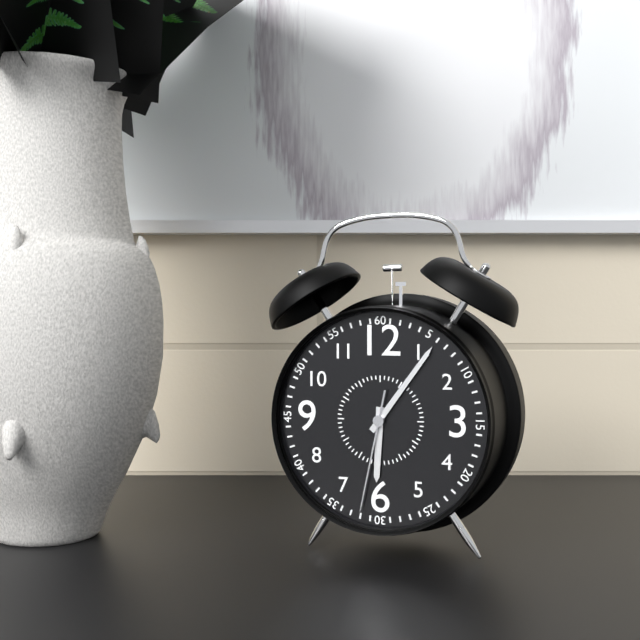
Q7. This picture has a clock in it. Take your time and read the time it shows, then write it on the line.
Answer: 6:06:32
